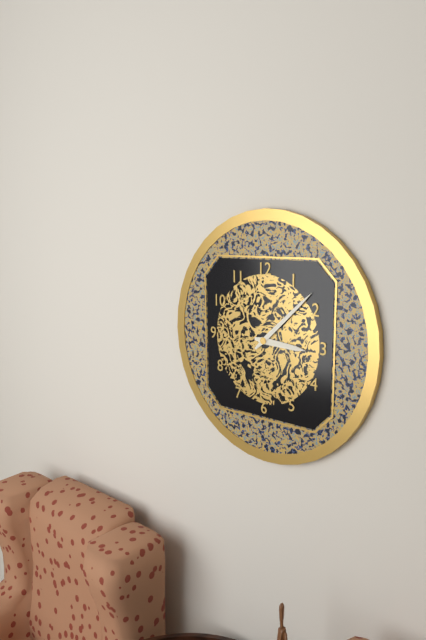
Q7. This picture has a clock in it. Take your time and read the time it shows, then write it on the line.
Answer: 3:08
